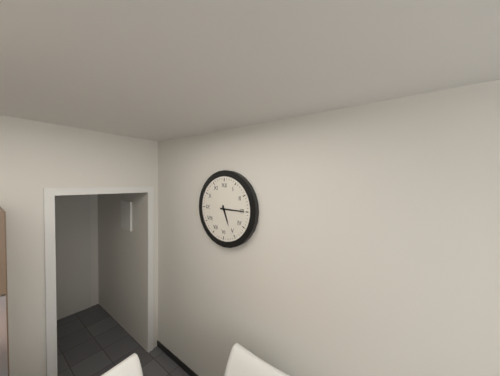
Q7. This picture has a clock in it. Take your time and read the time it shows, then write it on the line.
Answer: 5:15
